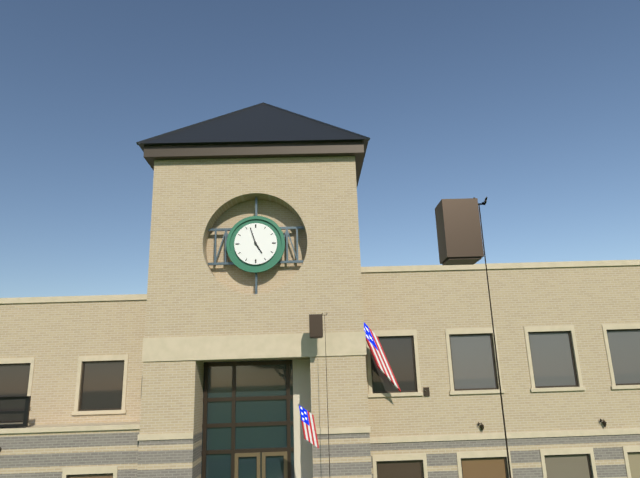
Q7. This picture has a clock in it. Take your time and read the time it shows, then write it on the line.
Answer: 4:57
